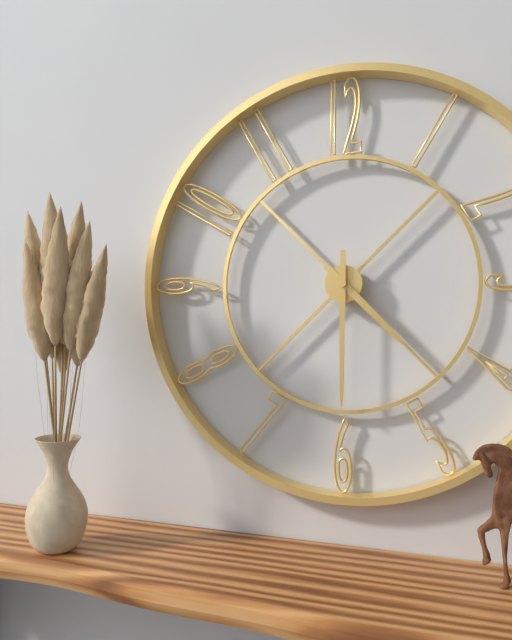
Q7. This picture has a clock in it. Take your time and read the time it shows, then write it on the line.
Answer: 4:30
